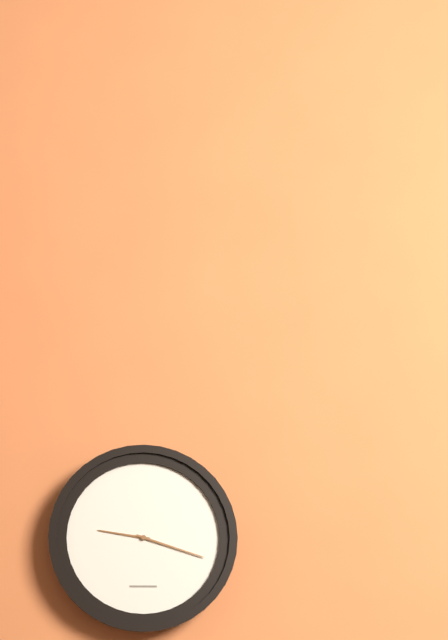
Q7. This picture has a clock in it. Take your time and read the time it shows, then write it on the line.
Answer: 9:18
